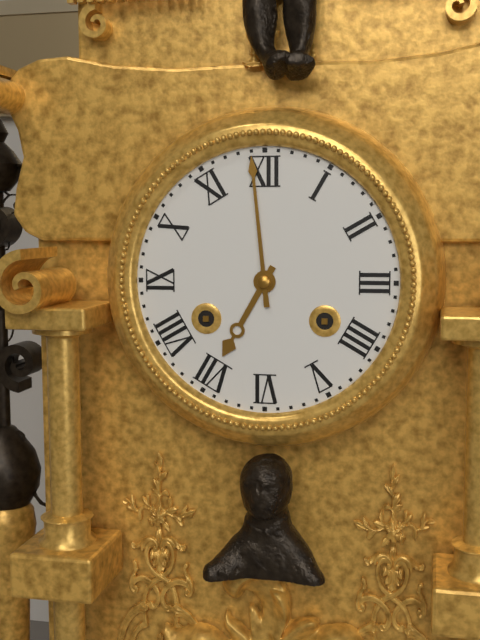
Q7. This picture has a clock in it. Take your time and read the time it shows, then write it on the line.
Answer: 6:59
